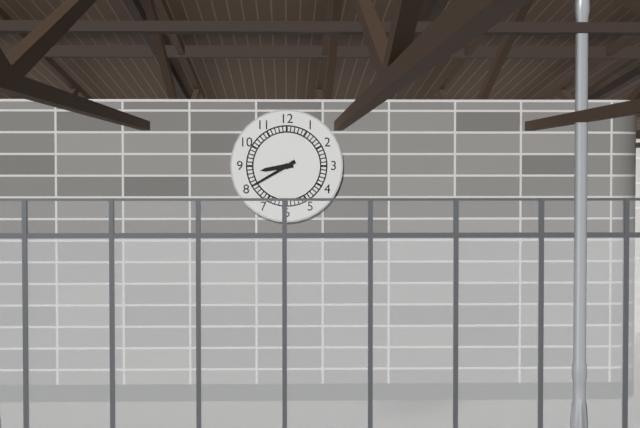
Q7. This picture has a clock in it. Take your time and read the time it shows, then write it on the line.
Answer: 8:40
